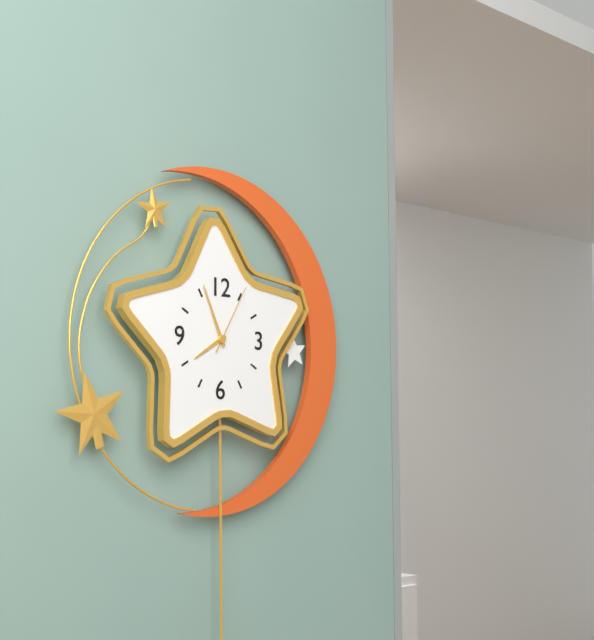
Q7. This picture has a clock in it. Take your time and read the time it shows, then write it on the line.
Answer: 7:56:05
